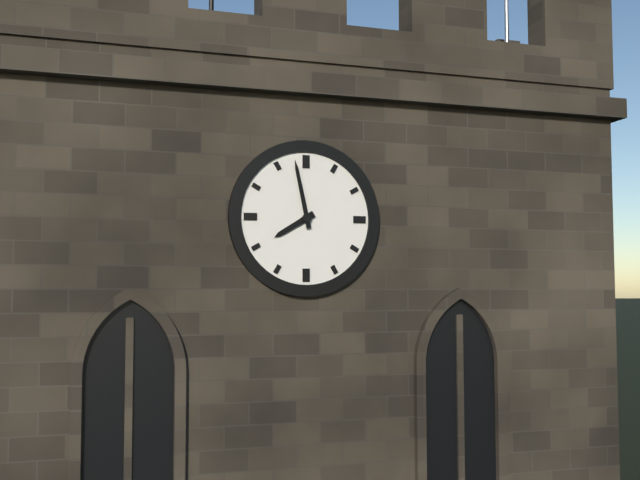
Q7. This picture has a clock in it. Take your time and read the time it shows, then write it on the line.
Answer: 7:58
